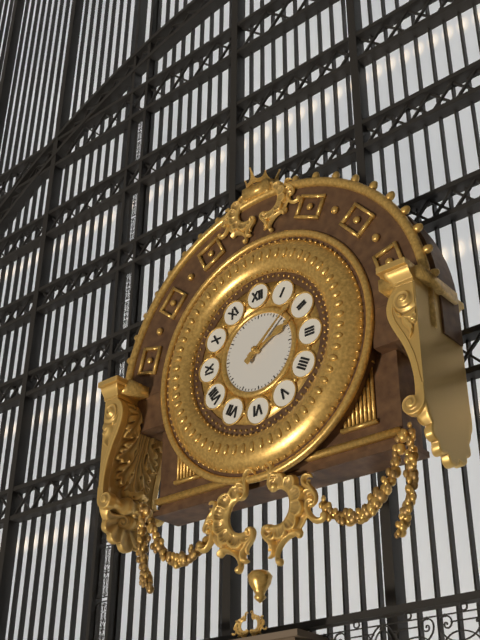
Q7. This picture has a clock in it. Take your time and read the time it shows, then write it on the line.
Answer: 2:08
